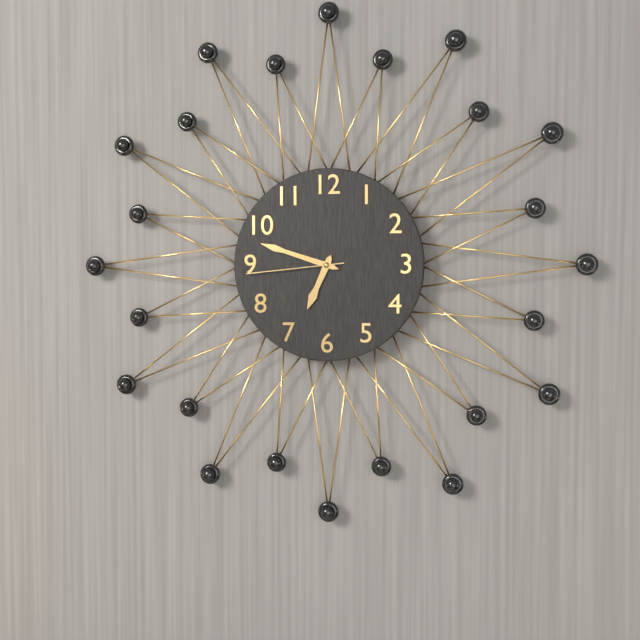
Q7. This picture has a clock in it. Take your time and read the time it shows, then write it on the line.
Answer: 6:48:44
